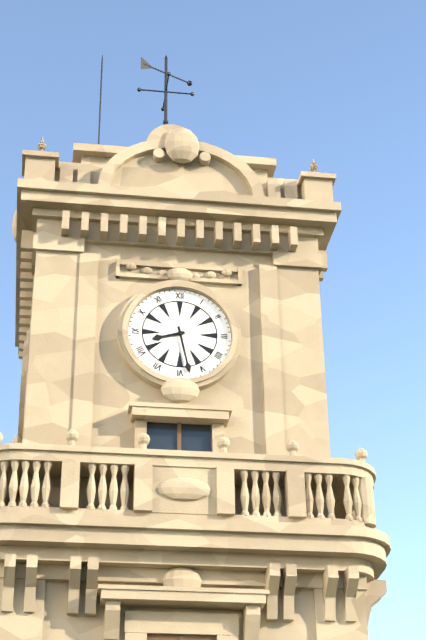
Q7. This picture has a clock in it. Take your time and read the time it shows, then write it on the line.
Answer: 8:28
